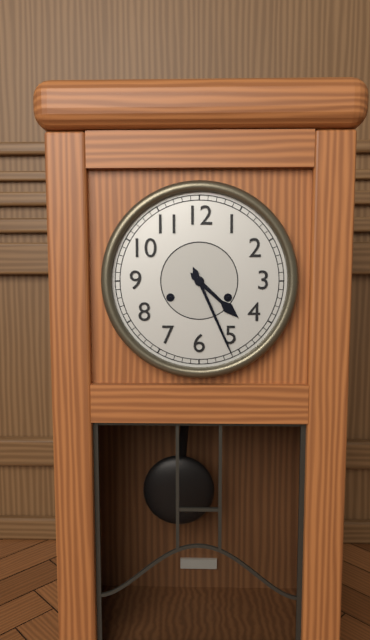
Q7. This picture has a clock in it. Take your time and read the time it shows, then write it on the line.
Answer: 4:26
